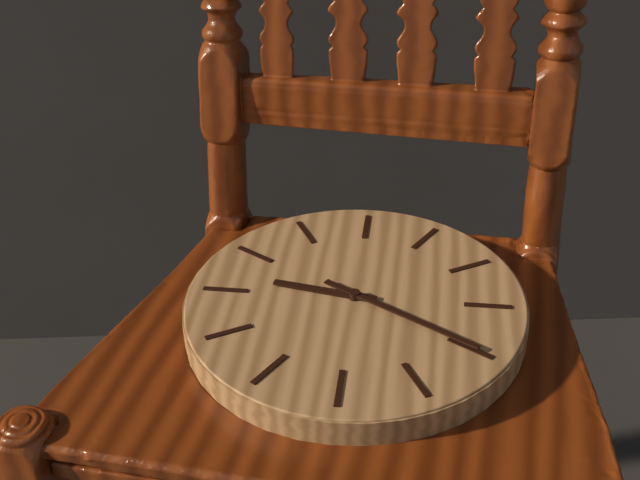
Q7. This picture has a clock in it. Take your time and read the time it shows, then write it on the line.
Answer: 9:20
